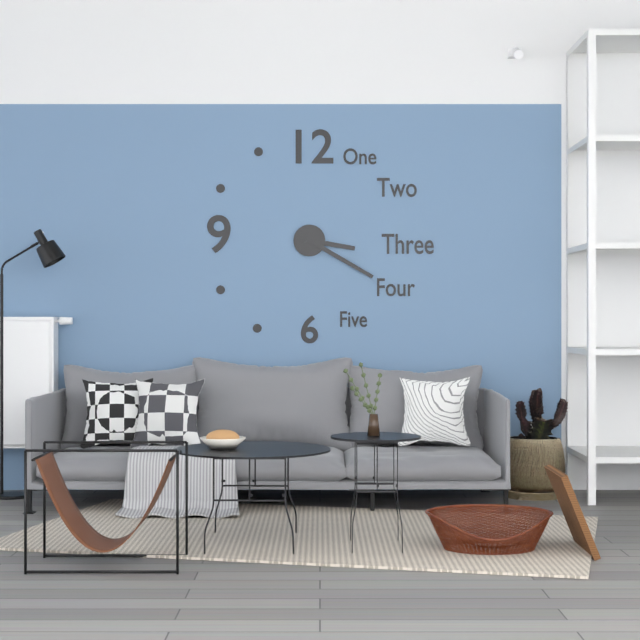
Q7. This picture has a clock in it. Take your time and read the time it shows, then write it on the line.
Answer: 3:20
